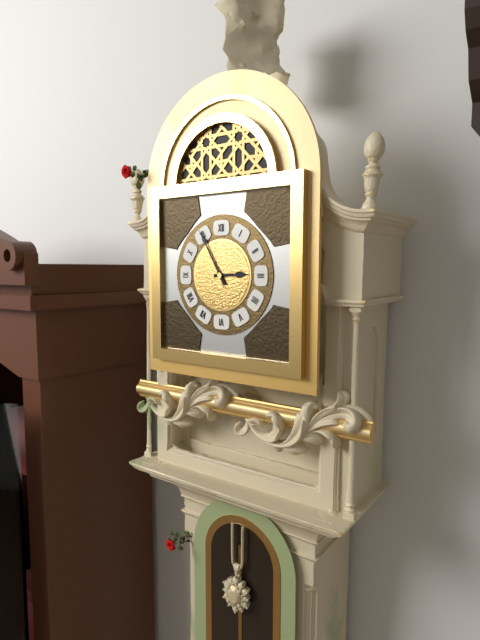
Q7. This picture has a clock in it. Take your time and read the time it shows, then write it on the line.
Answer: 2:55
